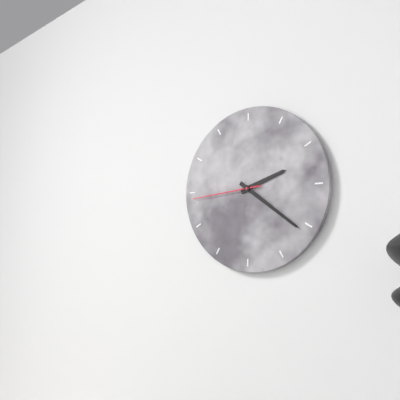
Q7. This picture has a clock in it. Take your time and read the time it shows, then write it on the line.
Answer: 2:21:44
